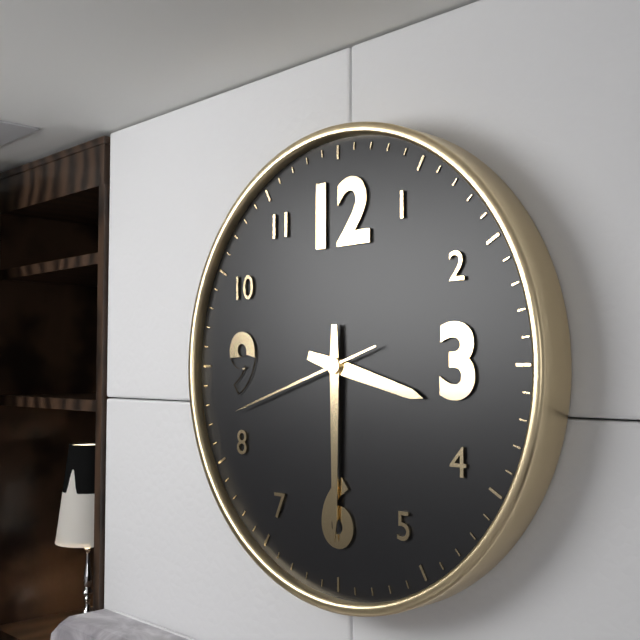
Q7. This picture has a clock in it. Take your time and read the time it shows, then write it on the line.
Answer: 3:30:42
